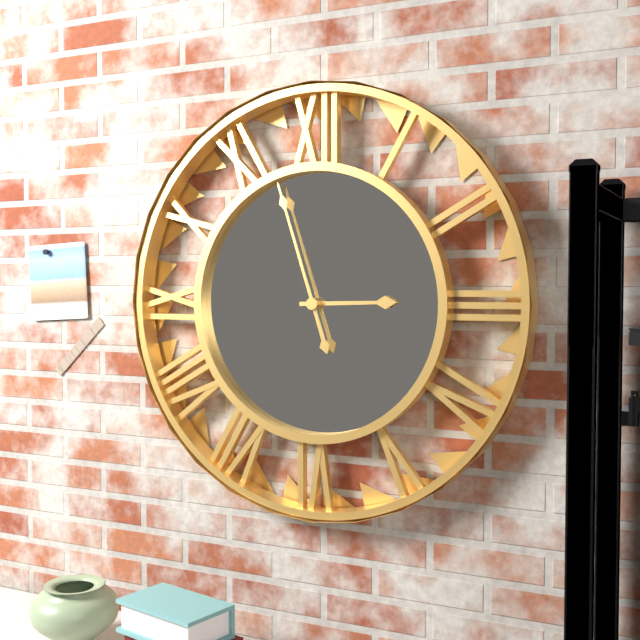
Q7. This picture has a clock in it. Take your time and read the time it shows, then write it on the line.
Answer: 2:57
